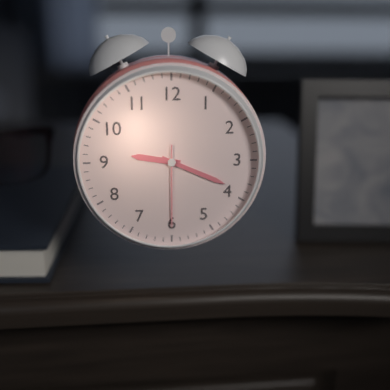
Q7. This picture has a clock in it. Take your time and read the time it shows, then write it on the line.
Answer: 9:19:30
